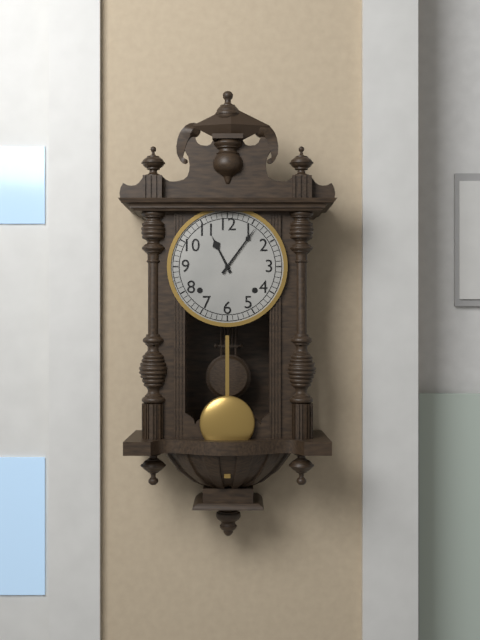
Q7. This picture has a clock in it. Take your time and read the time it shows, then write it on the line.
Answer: 11:06
